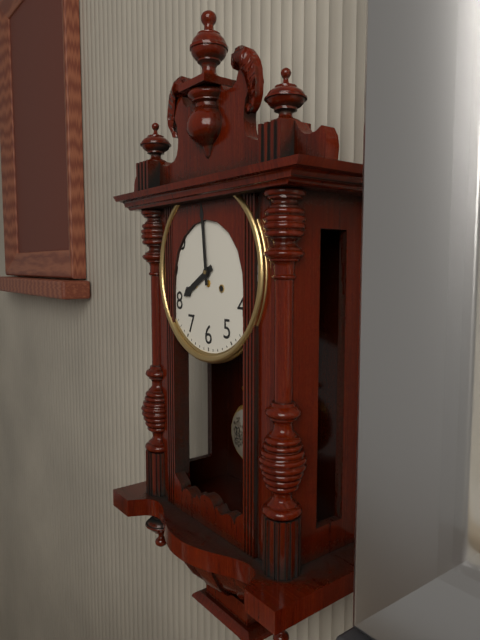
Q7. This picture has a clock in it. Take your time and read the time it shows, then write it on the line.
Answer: 7:59
